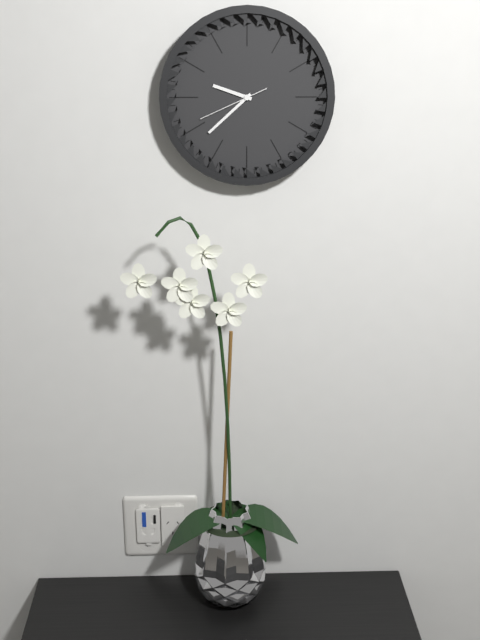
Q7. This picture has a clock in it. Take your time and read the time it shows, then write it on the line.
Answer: 9:38:41
